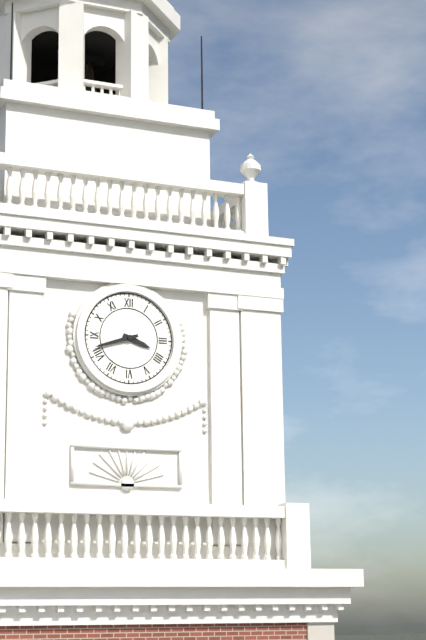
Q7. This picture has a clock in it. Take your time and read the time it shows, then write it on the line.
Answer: 3:42
